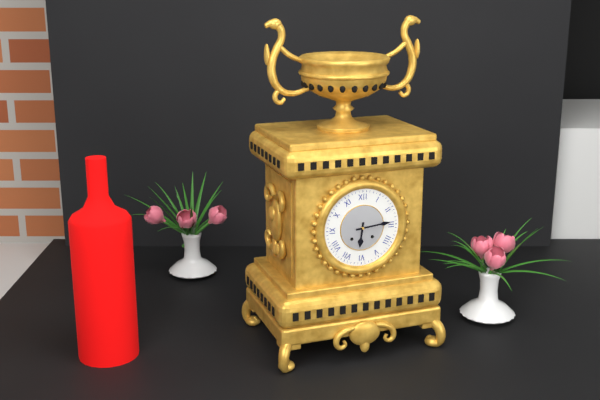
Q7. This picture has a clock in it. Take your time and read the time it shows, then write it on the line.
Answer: 6:14
